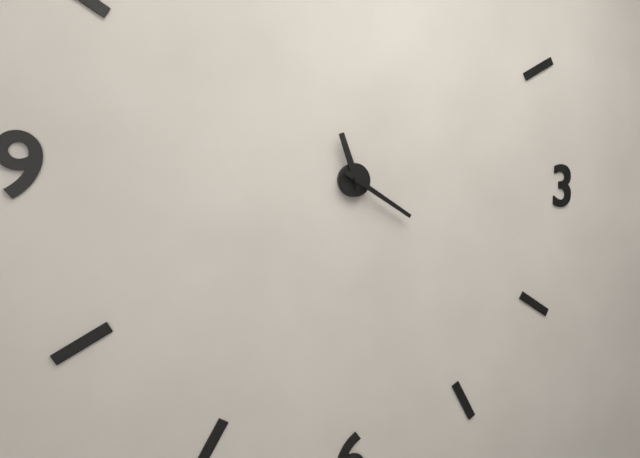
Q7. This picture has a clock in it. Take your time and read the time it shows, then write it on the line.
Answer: 11:20
